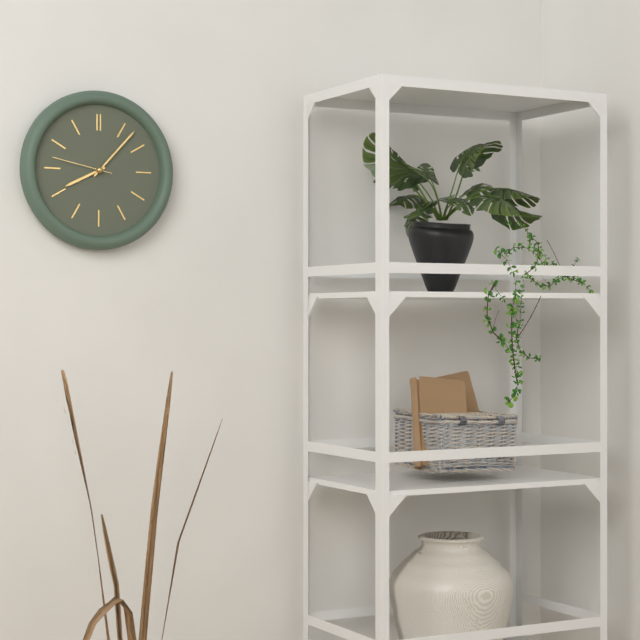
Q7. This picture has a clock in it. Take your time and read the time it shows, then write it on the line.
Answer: 8:07:47
